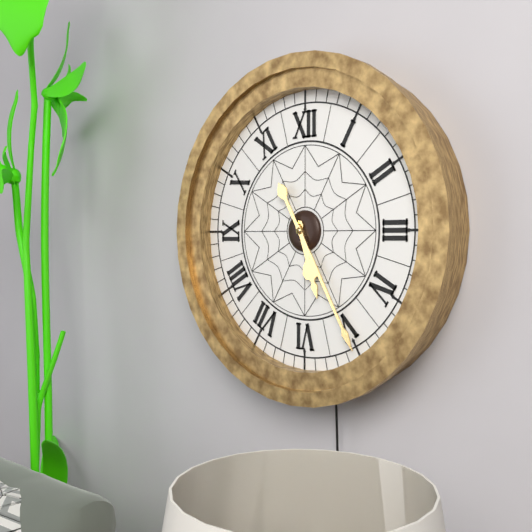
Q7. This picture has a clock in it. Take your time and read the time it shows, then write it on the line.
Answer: 5:25
